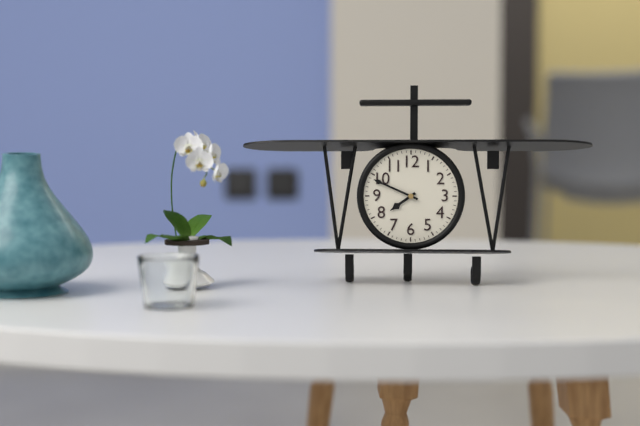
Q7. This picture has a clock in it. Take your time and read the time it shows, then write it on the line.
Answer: 7:49
